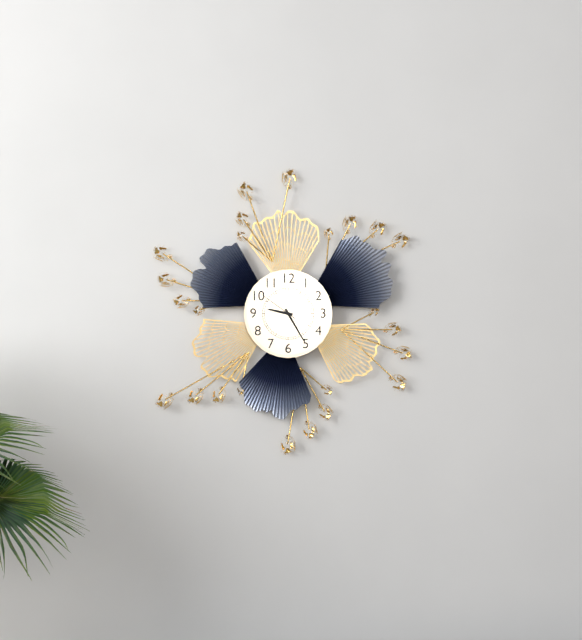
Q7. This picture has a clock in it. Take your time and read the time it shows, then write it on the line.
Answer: 9:25
